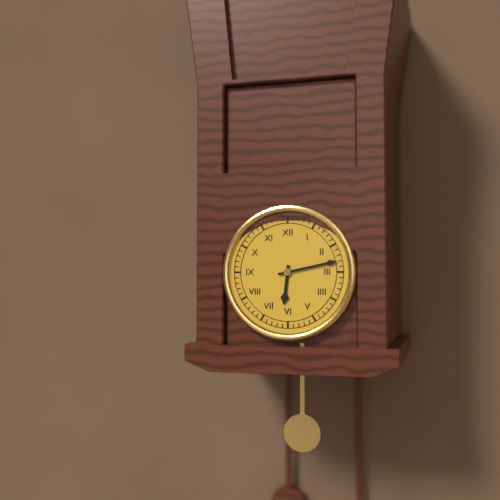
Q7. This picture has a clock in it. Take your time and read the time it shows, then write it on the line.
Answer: 6:13
